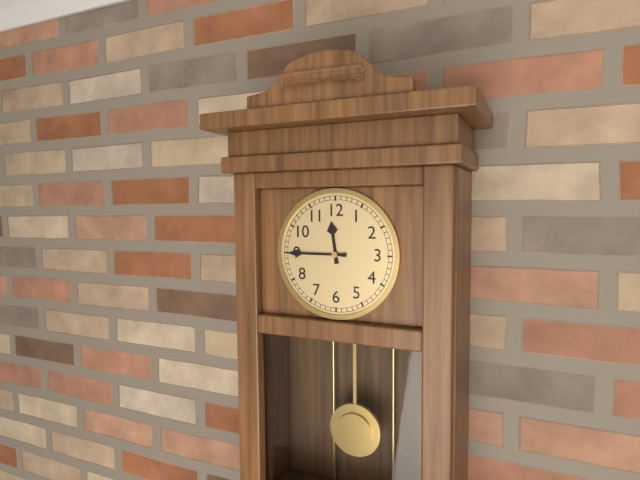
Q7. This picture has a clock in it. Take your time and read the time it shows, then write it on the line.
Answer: 11:45
